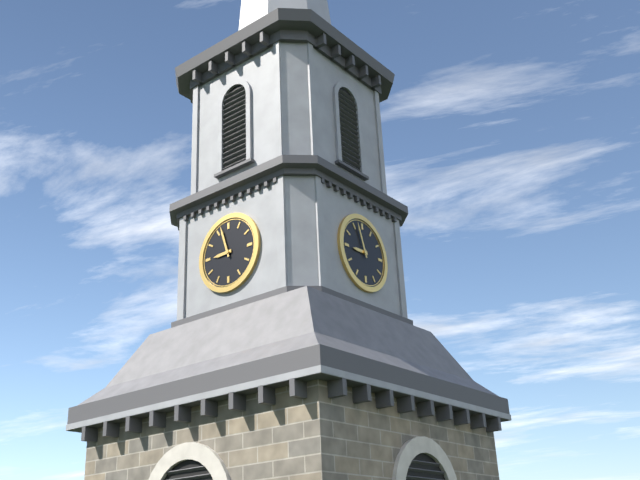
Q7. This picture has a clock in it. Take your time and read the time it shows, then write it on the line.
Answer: 8:57
